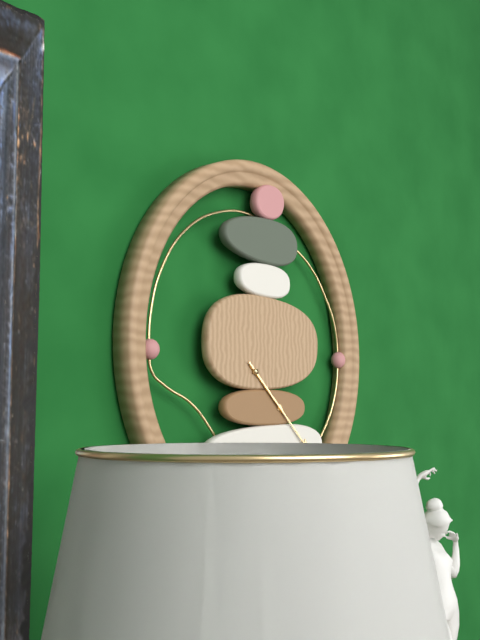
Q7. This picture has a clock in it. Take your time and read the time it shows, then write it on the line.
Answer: 4:22
